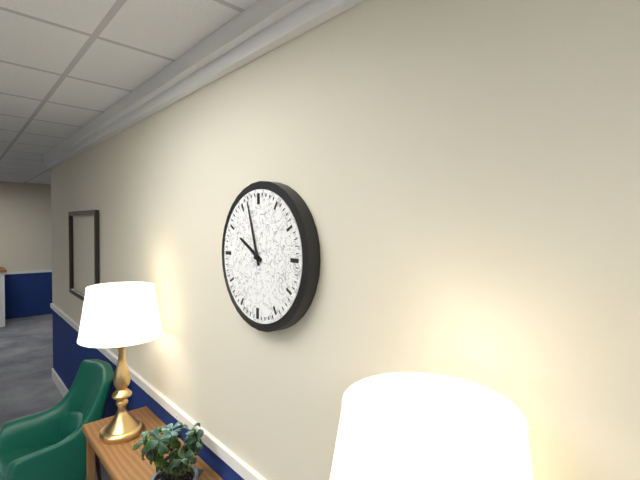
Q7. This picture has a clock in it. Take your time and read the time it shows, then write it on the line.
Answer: 9:57
